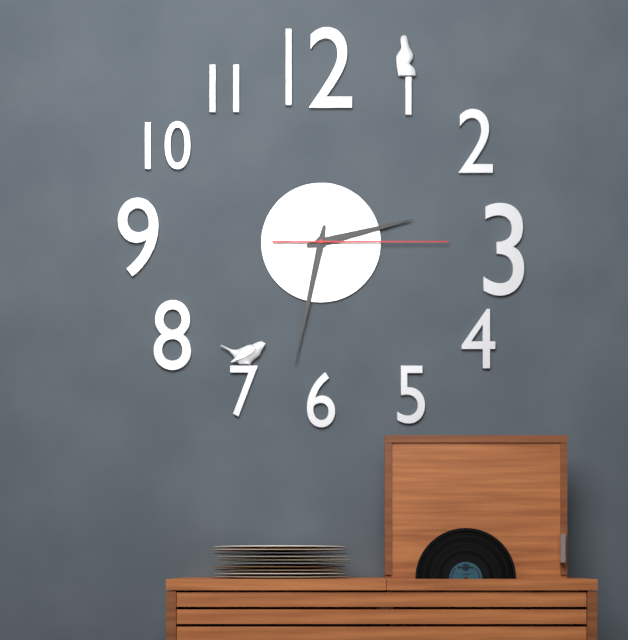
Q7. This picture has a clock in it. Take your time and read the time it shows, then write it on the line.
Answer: 2:32:15
